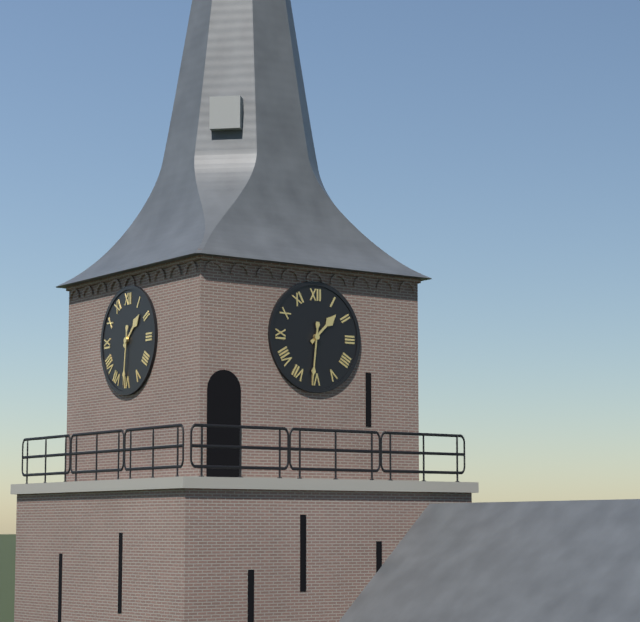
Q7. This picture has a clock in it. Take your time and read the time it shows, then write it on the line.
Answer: 1:31
